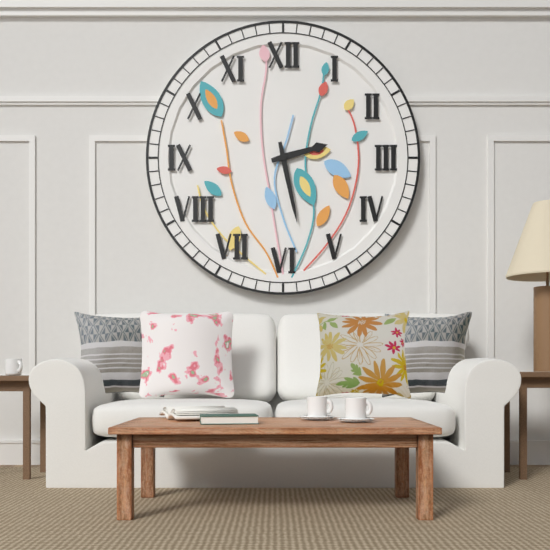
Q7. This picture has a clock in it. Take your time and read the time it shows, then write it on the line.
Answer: 2:28
